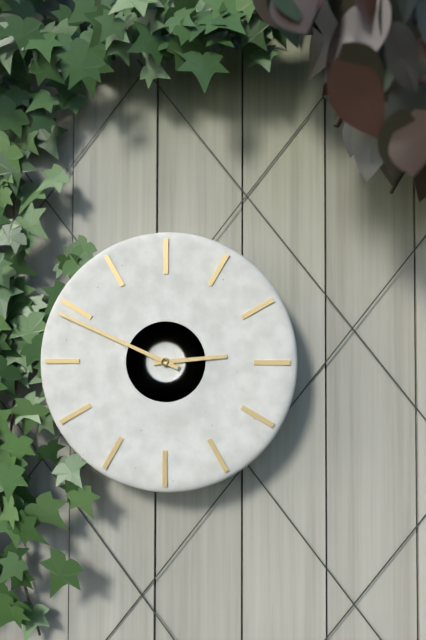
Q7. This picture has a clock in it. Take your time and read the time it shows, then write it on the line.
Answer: 2:49
